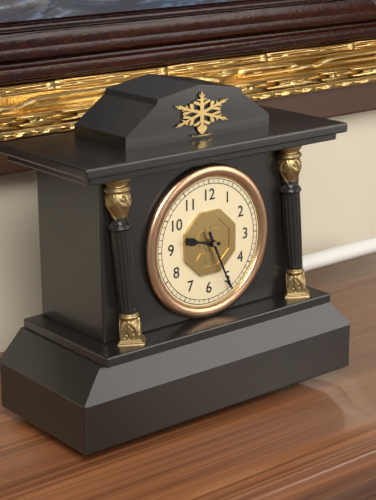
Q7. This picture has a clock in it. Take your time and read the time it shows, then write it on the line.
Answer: 9:26
